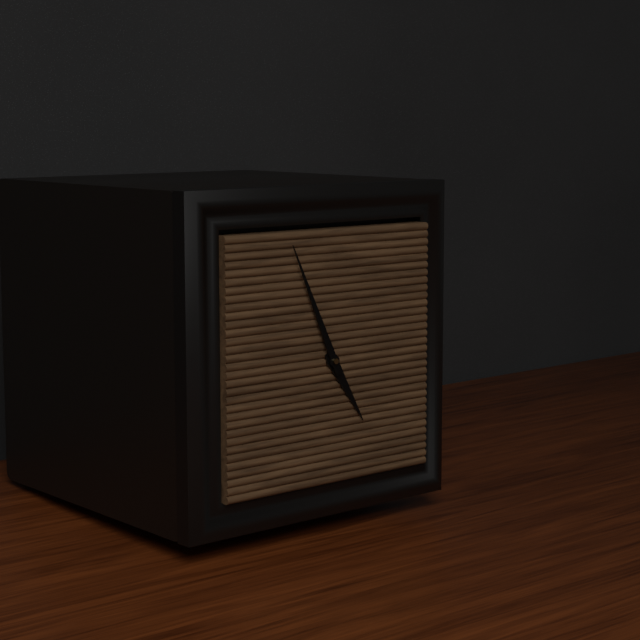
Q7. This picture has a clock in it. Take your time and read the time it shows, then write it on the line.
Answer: 4:56
